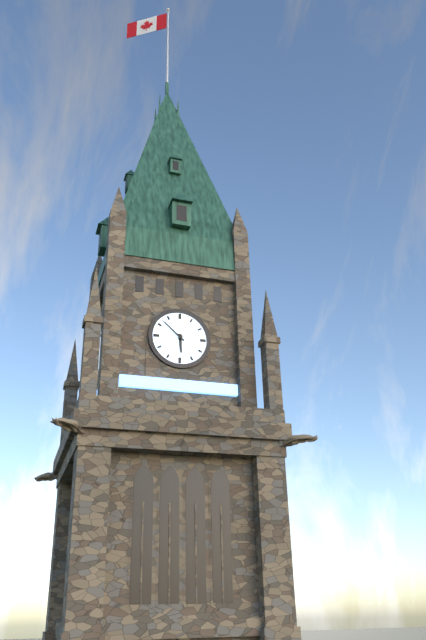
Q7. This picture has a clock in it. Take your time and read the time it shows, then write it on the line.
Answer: 5:52
